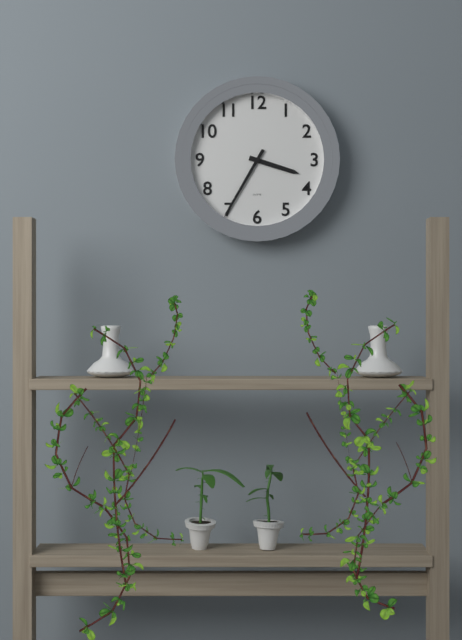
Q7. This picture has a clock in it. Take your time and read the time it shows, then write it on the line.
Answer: 3:35
